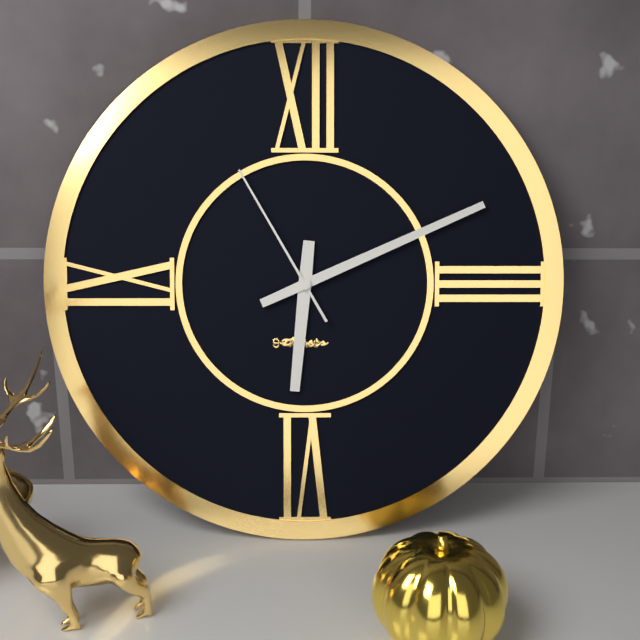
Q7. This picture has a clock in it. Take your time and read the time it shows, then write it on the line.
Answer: 6:11:55
